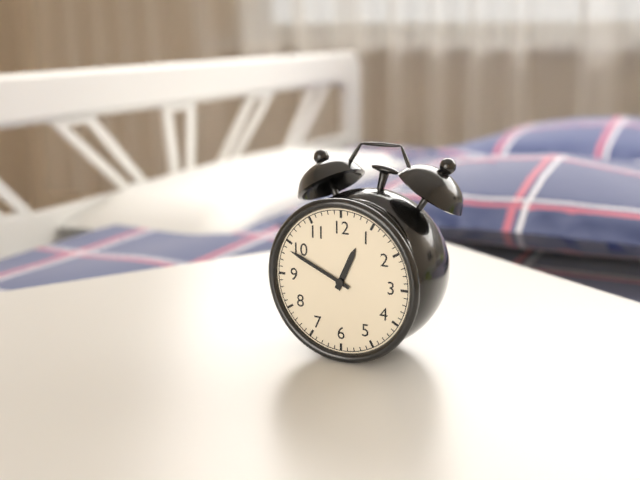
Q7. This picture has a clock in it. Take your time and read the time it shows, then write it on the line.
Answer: 12:49
